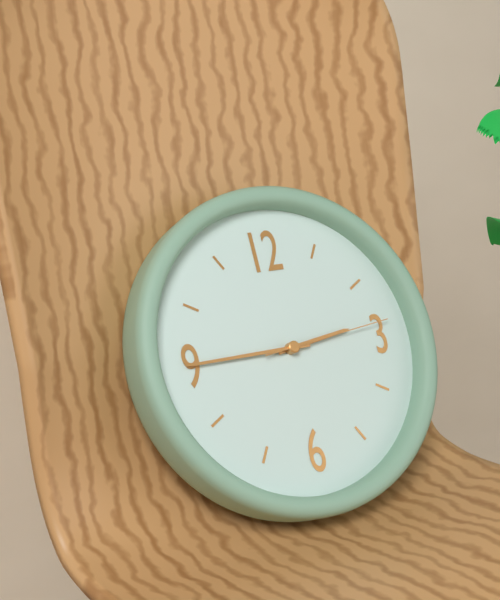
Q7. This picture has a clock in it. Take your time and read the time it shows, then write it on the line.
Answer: 2:45:14
